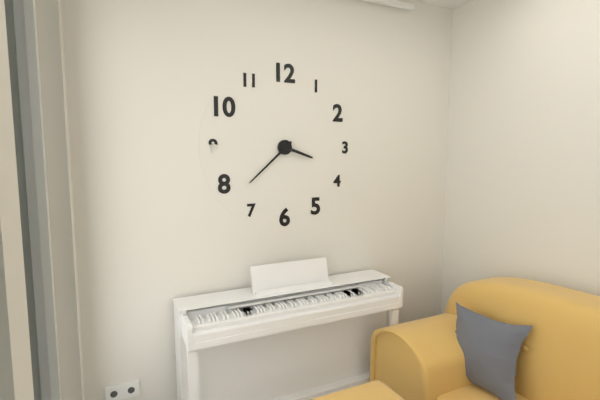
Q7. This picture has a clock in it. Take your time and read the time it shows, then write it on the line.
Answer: 3:38
